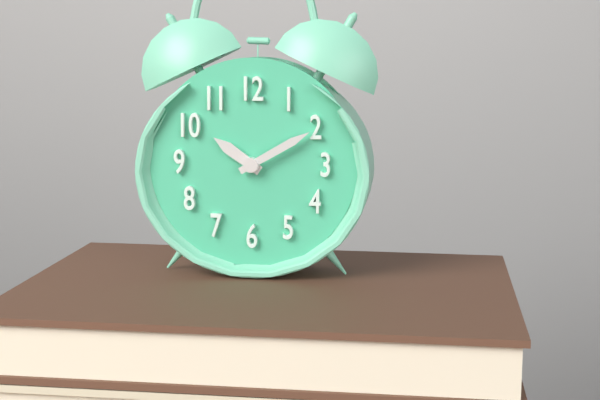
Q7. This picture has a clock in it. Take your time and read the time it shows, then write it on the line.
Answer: 10:10
